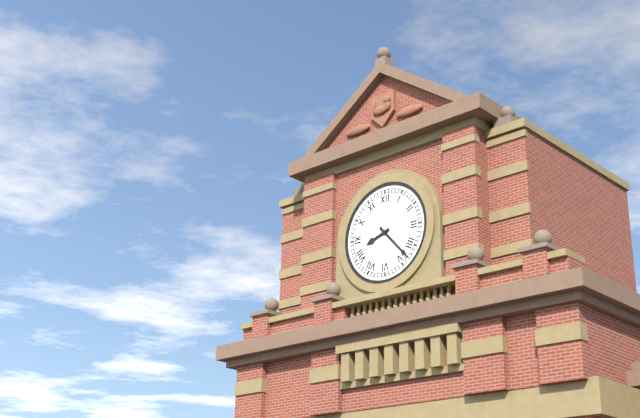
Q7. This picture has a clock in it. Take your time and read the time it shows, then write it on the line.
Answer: 8:23
